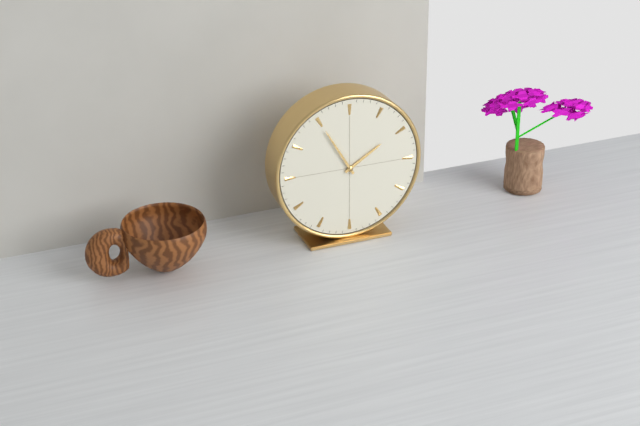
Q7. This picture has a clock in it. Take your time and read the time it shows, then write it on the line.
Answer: 1:55
